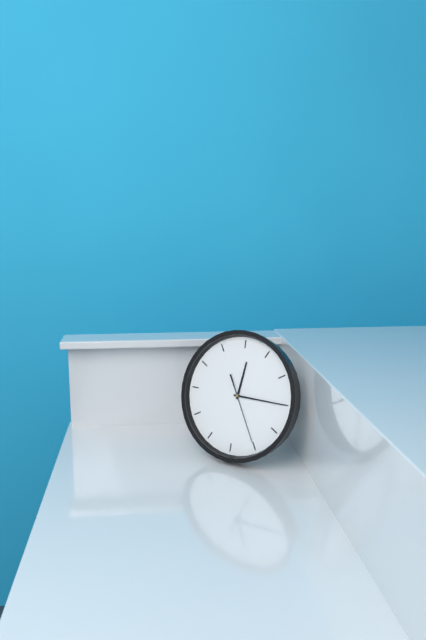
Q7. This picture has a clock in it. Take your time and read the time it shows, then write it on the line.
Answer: 12:15:25
